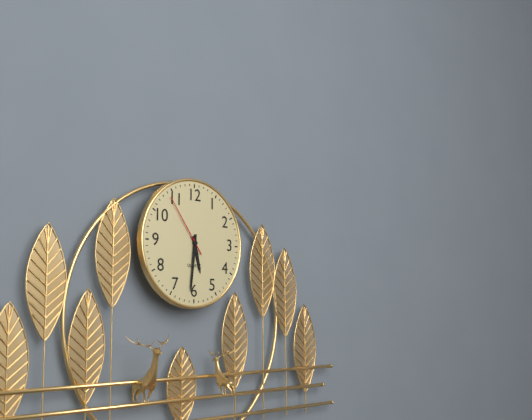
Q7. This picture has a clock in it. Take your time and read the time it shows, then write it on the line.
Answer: 5:31:54
